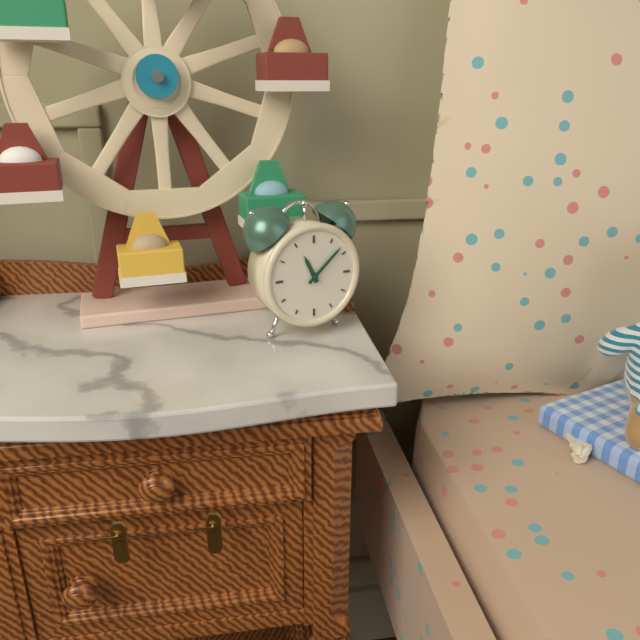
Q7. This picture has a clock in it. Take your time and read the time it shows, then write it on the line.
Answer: 11:08
